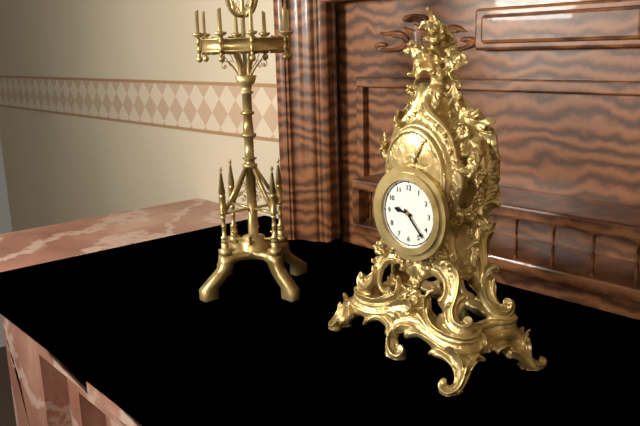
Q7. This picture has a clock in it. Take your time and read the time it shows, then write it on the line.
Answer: 9:23
